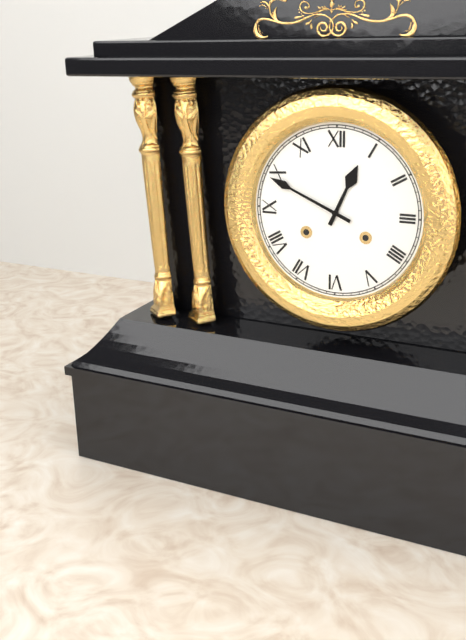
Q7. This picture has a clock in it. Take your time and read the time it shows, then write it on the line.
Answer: 12:49
